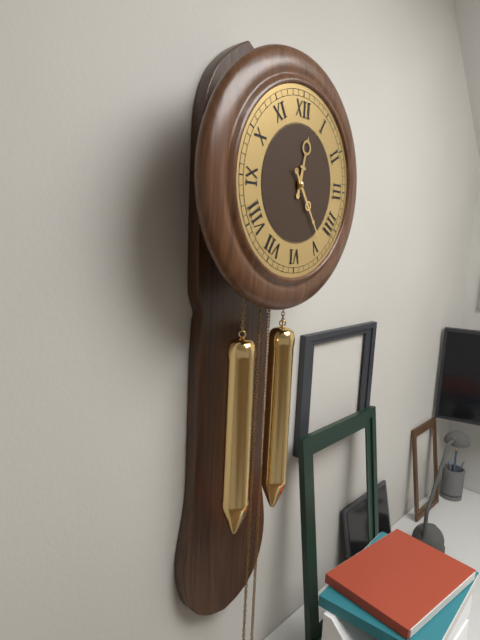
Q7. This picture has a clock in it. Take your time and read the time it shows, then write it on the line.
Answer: 12:24
